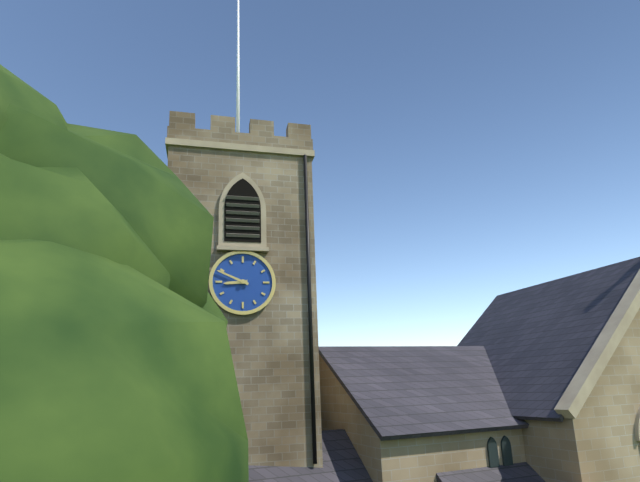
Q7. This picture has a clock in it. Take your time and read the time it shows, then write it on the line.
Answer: 8:49
